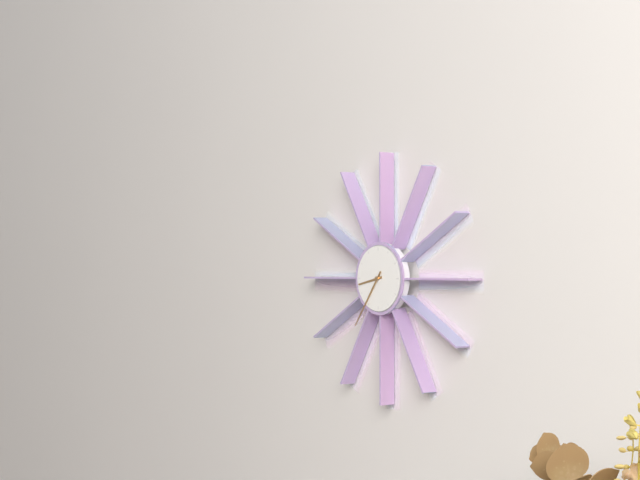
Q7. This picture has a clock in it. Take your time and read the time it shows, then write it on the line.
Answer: 8:36
